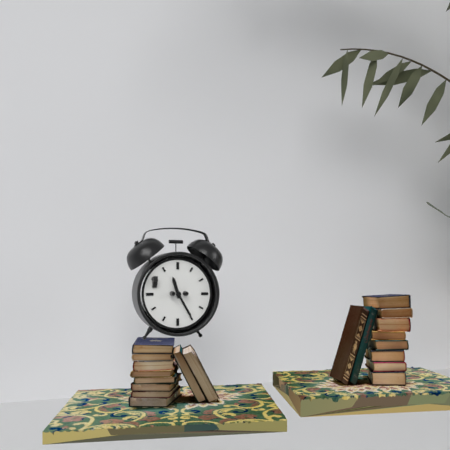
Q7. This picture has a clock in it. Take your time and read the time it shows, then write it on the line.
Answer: 11:25
